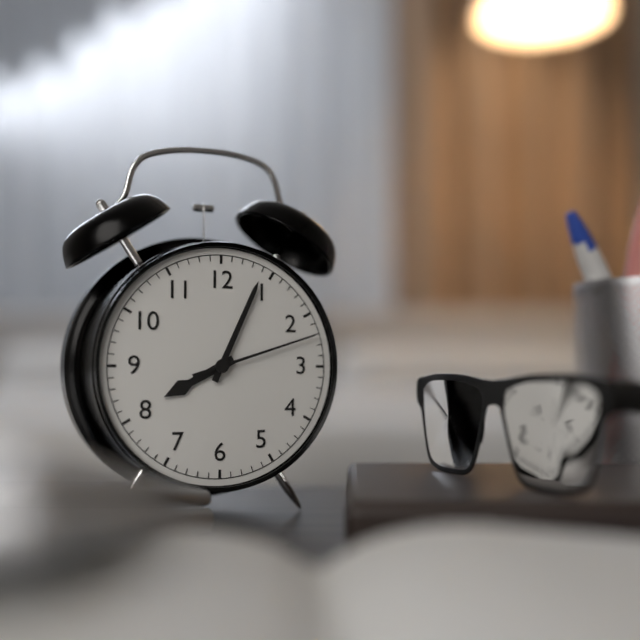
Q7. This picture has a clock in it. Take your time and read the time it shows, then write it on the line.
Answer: 8:04:12
